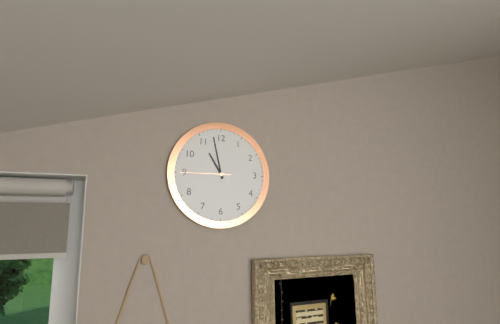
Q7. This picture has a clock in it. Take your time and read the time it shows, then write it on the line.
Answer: 10:58:45
